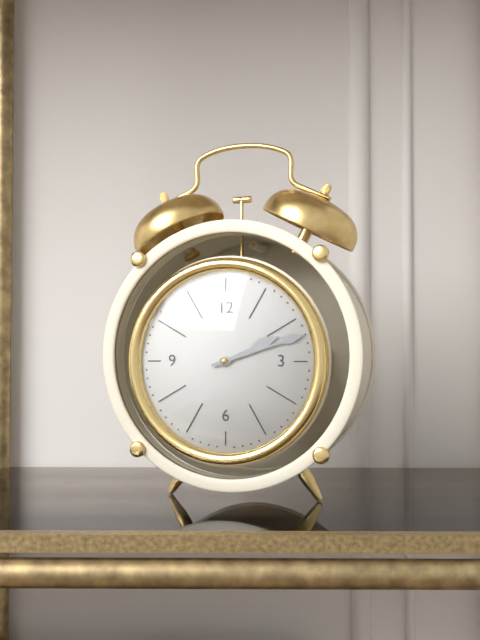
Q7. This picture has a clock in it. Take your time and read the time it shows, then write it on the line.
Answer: 2:12
